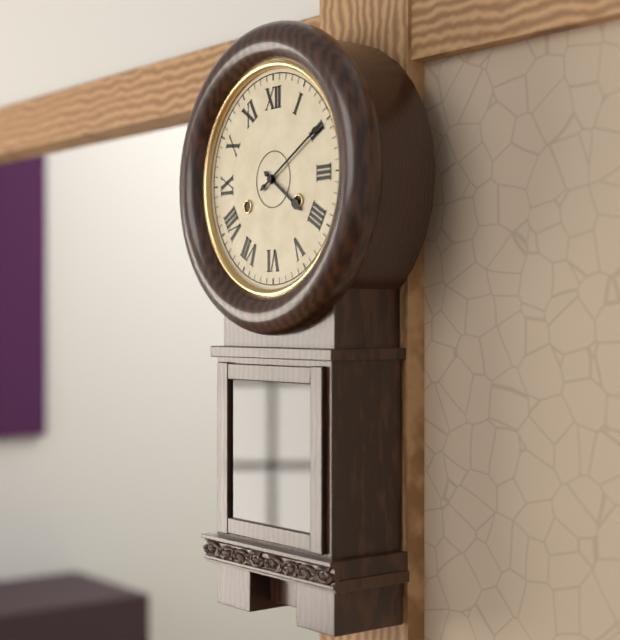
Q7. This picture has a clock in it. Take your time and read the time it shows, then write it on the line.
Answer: 4:10
